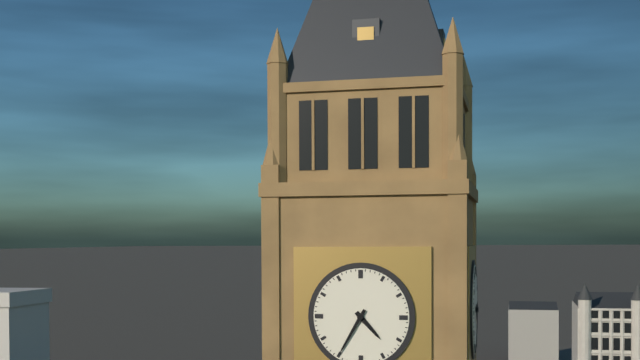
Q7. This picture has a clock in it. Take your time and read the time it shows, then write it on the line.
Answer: 4:35
